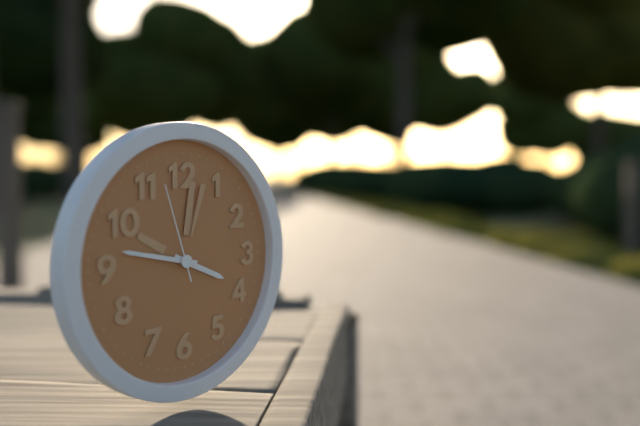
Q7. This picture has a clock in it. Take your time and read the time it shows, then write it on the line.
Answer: 3:47:57
